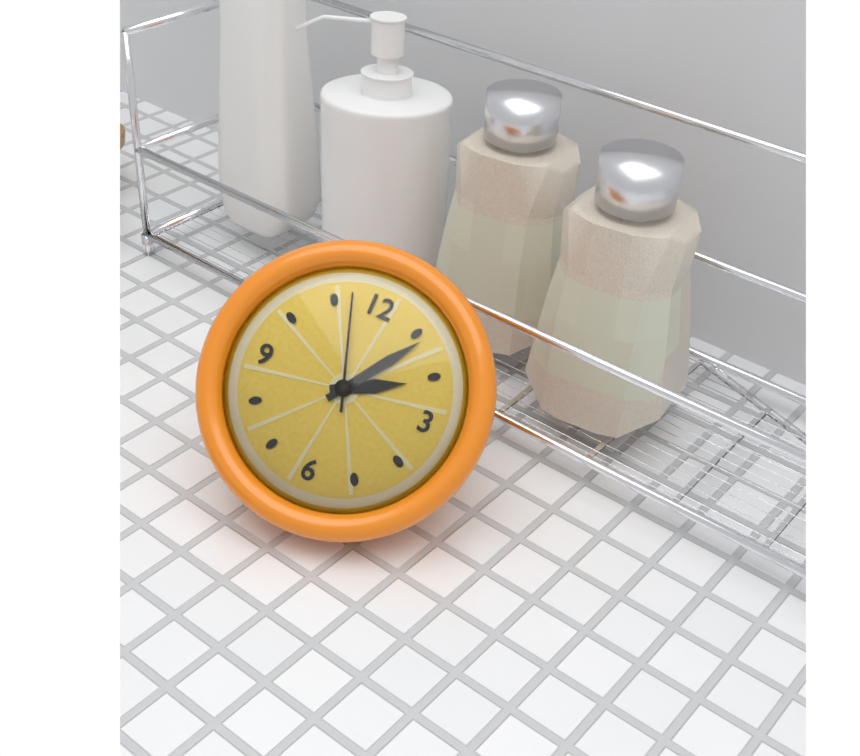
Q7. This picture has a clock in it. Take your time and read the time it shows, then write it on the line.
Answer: 2:06:57
